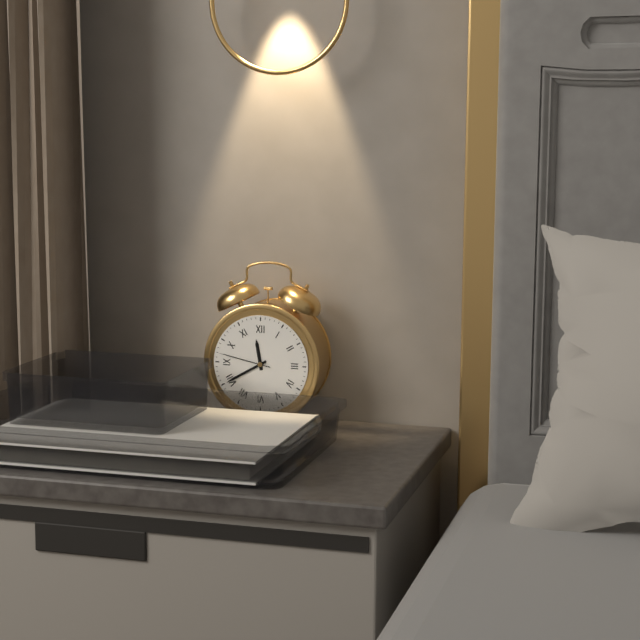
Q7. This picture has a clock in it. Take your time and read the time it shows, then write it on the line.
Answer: 11:40:47
